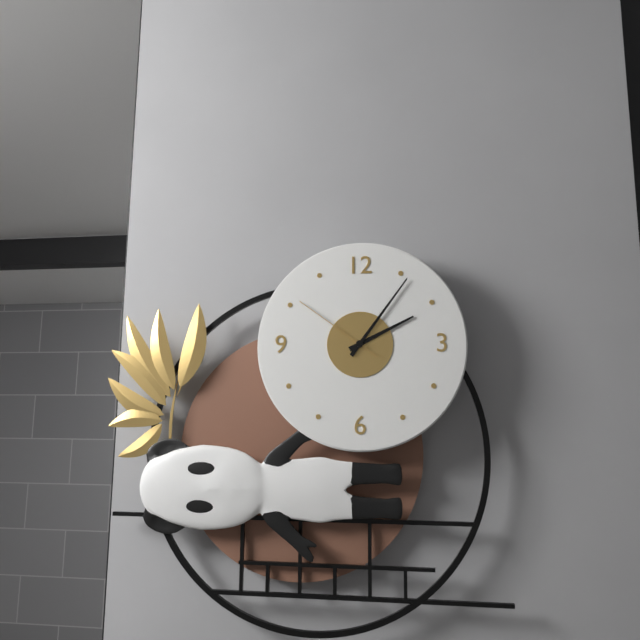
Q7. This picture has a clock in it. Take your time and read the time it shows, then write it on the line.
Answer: 2:06:51
